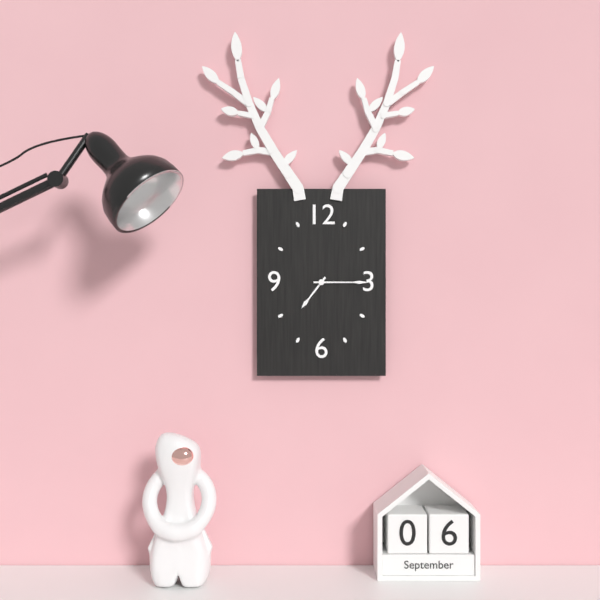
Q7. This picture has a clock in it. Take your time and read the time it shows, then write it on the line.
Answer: 7:15
